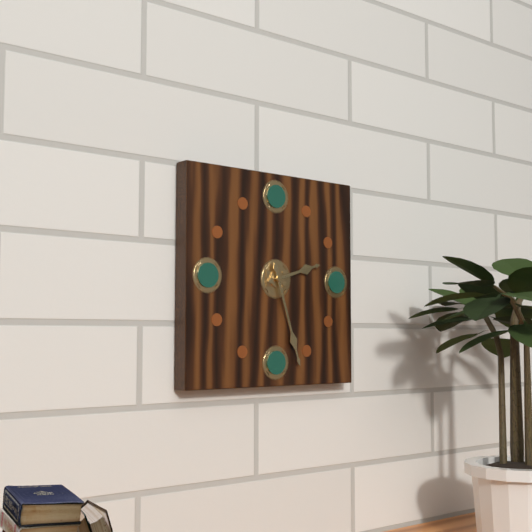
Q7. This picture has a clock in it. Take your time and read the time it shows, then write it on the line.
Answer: 2:27
